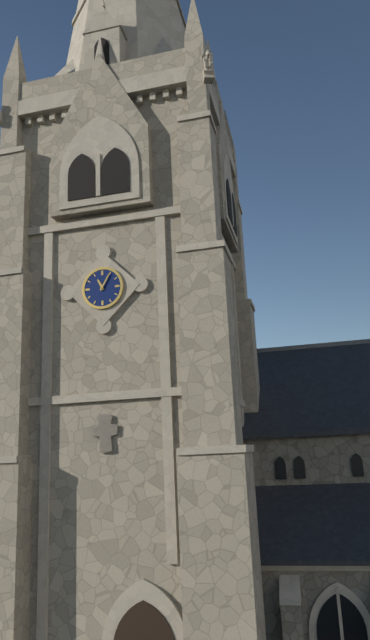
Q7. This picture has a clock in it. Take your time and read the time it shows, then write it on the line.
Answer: 11:05
